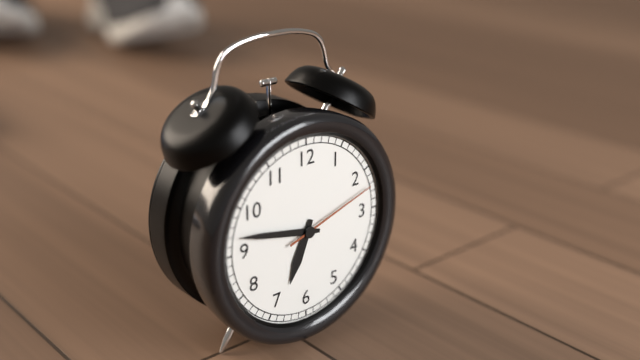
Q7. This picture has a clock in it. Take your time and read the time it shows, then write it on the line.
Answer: 6:47:12
